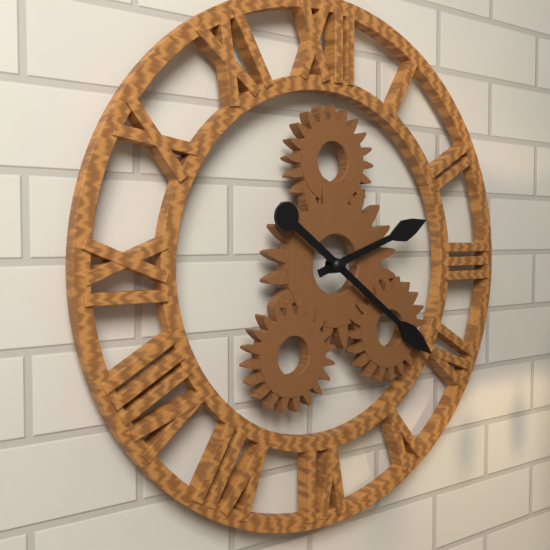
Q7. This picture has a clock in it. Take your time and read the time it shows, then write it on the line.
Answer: 2:21
